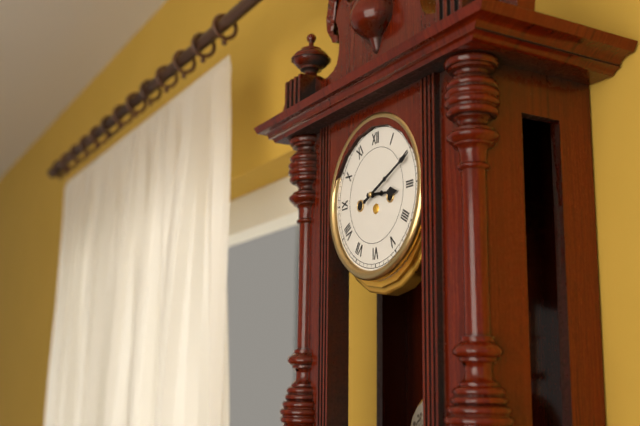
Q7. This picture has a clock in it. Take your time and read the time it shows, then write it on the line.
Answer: 3:11
